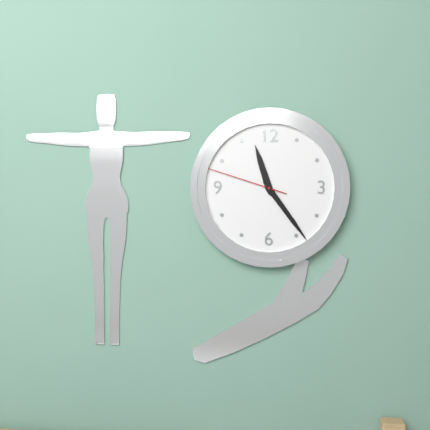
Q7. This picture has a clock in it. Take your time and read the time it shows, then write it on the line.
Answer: 11:24:48
